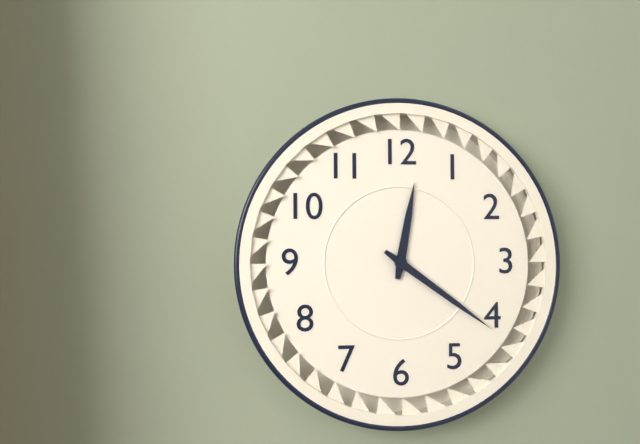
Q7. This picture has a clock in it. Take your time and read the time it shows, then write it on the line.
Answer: 12:21
